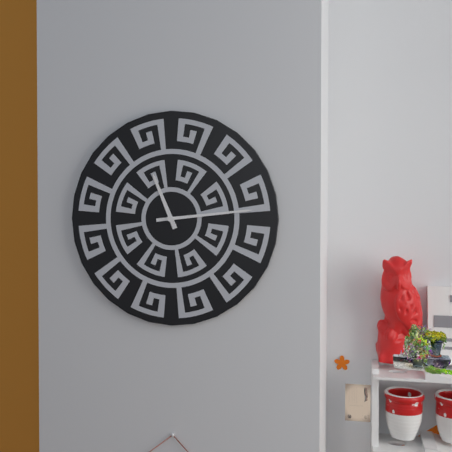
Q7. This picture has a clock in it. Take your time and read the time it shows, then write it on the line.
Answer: 11:14
